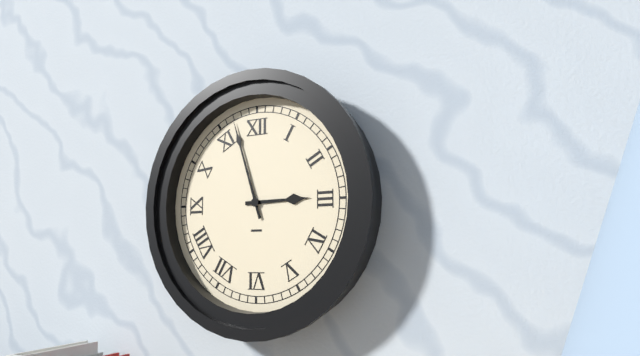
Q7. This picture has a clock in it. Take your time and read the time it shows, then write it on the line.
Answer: 2:57
